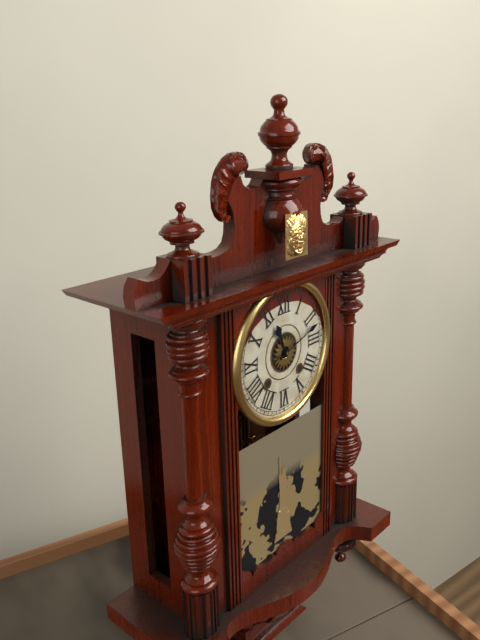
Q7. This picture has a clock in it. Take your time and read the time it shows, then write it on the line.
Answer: 11:12
